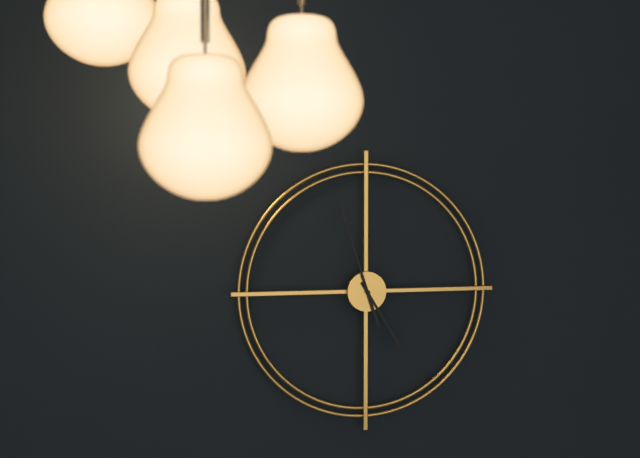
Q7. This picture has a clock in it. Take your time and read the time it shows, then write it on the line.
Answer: 4:57
